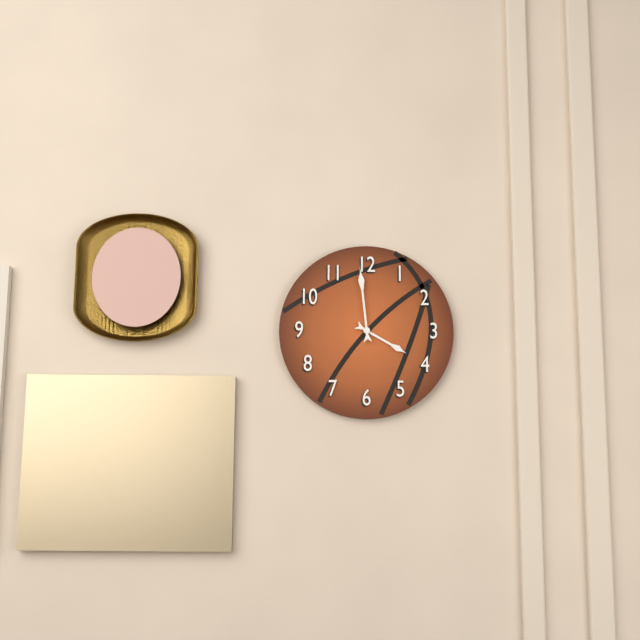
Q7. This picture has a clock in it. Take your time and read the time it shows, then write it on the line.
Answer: 3:59
